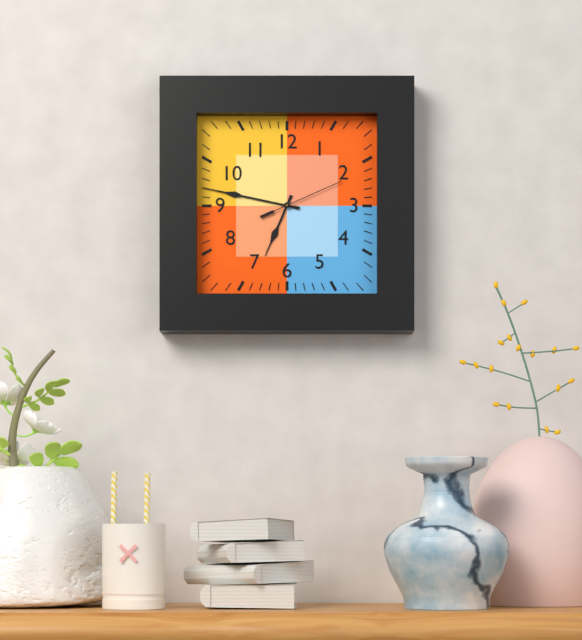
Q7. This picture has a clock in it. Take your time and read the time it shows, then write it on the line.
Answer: 6:47:11
